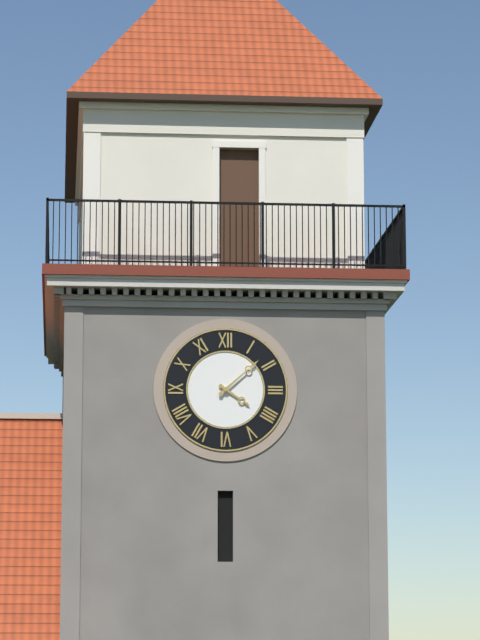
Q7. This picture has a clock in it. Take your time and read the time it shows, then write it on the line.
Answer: 4:08
